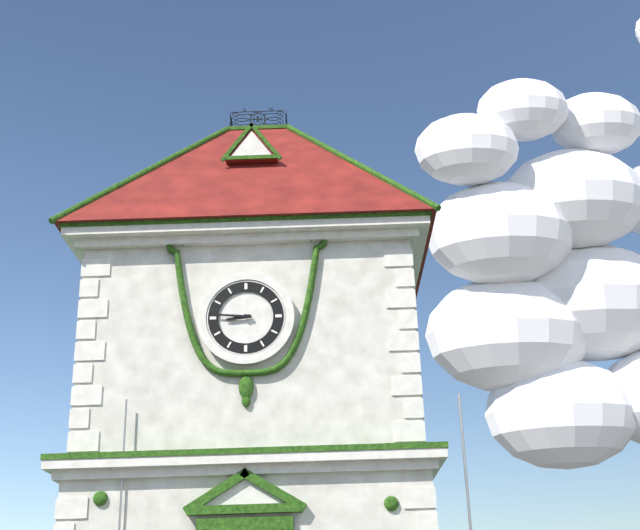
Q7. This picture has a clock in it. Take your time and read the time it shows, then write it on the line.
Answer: 8:46
